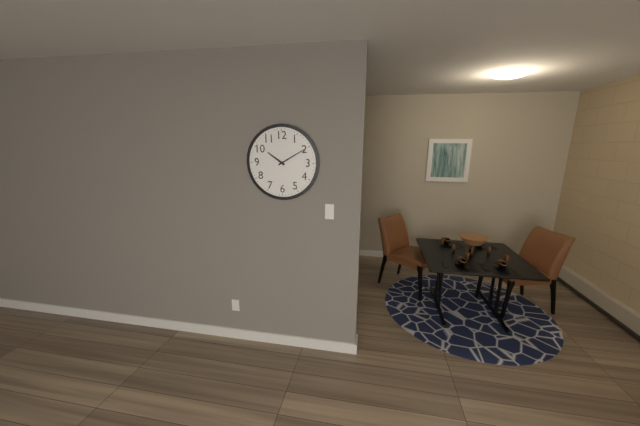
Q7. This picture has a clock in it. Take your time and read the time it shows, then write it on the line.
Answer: 10:10
